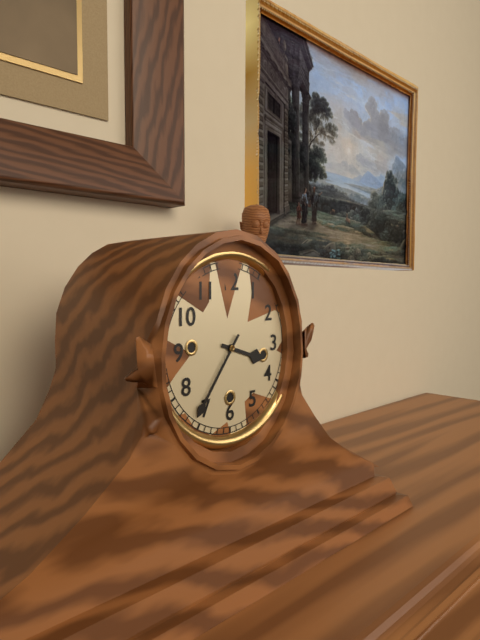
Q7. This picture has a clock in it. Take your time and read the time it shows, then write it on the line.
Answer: 3:36
